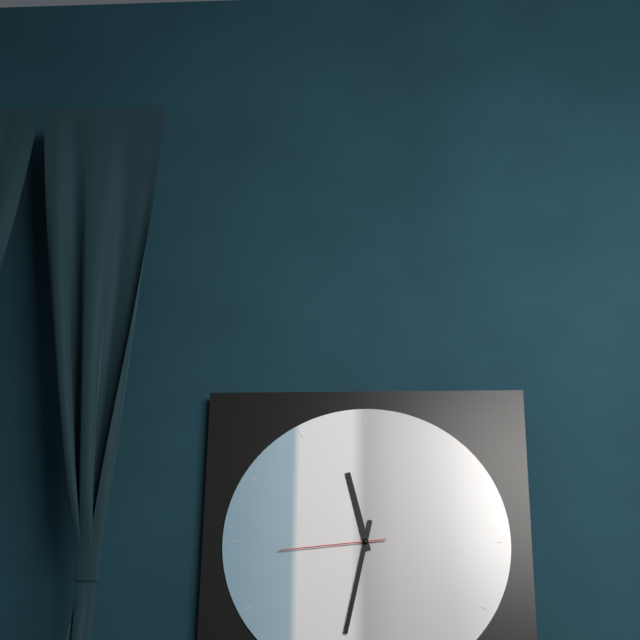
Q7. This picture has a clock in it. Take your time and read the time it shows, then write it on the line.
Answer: 11:32:44
